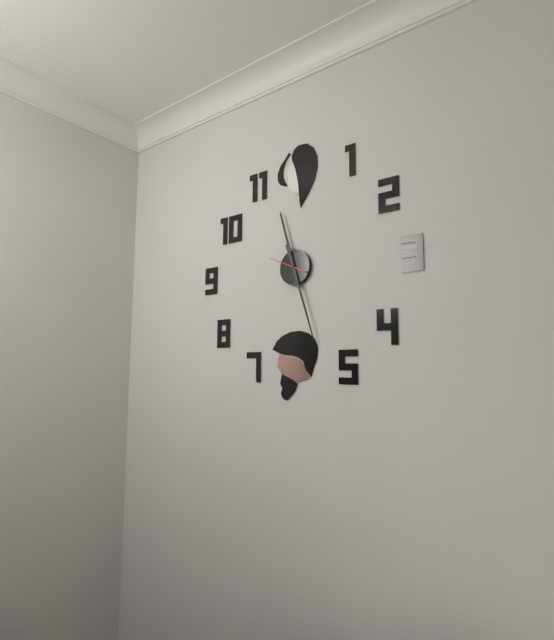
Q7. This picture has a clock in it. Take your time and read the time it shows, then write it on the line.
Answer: 11:27
